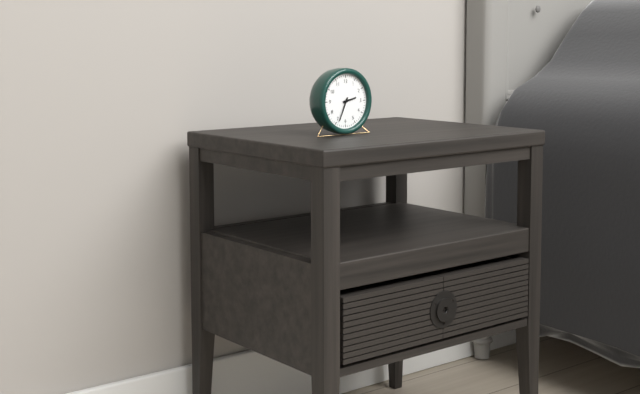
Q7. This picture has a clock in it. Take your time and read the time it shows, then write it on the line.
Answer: 2:34
